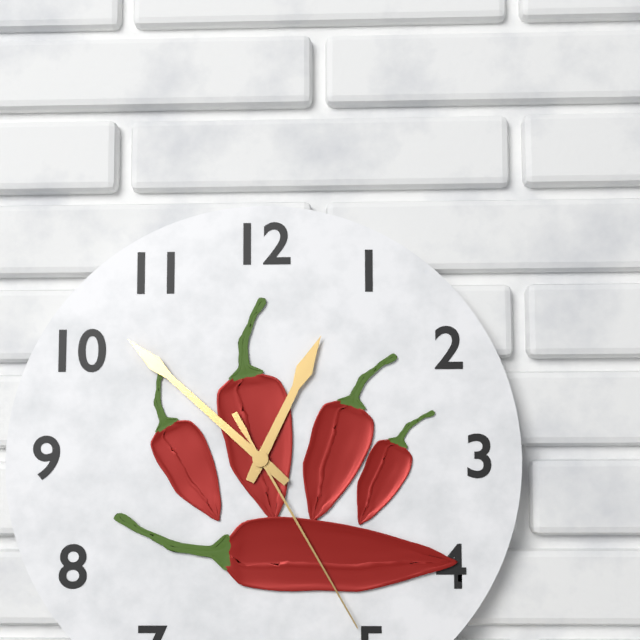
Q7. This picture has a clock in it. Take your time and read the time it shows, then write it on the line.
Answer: 12:52:25
